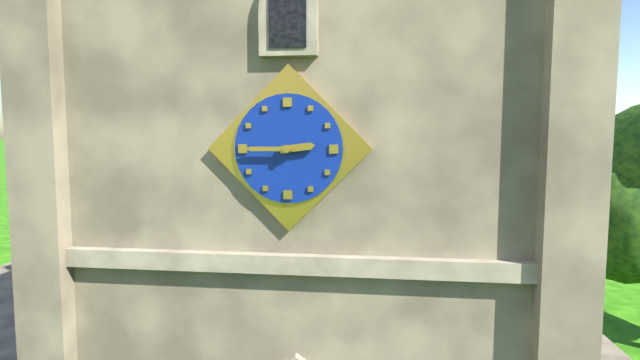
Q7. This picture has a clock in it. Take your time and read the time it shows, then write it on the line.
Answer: 2:45
